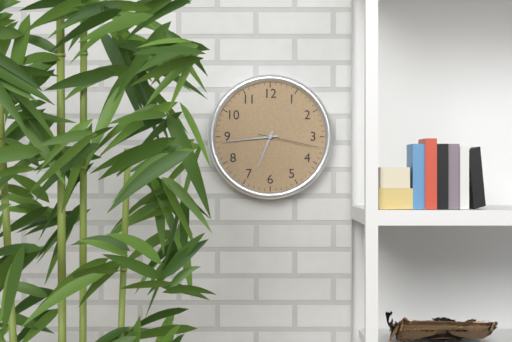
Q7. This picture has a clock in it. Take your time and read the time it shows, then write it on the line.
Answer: 6:44:17
